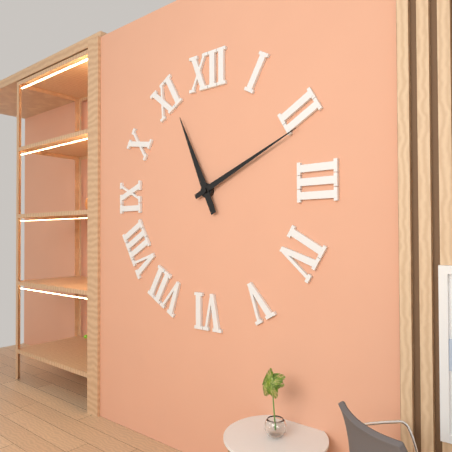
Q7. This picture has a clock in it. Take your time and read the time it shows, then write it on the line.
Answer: 11:11
